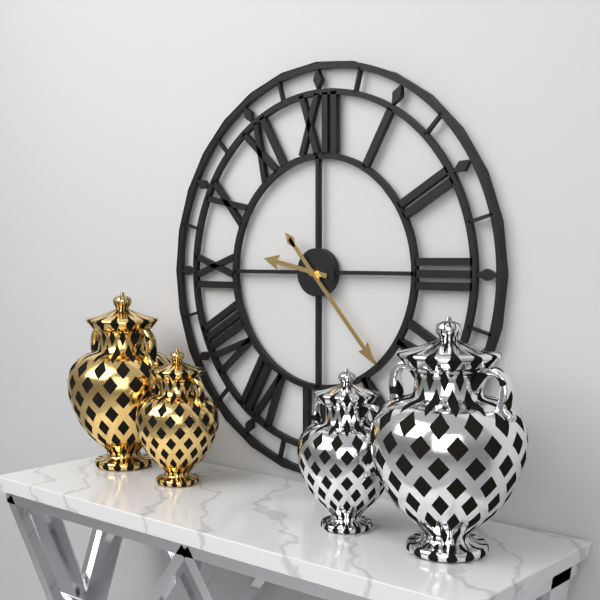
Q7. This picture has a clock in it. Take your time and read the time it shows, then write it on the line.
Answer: 9:23
